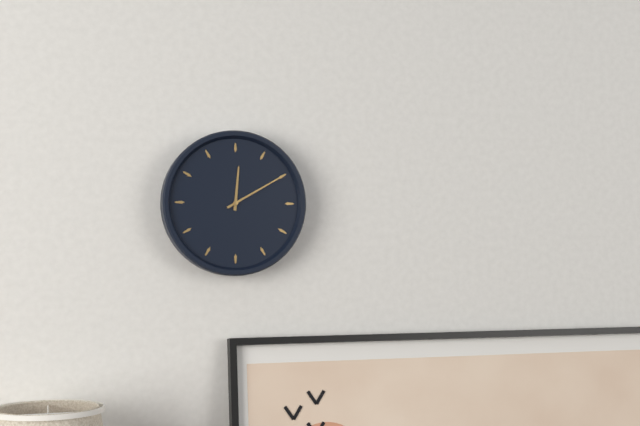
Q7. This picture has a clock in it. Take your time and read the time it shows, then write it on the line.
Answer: 12:10
